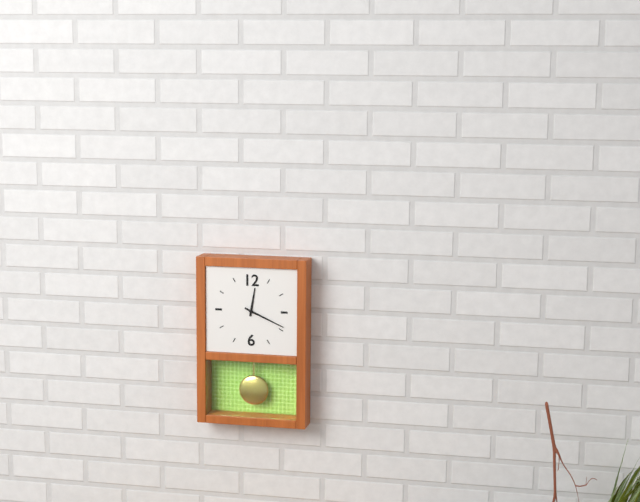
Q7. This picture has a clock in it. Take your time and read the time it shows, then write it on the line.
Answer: 12:19
